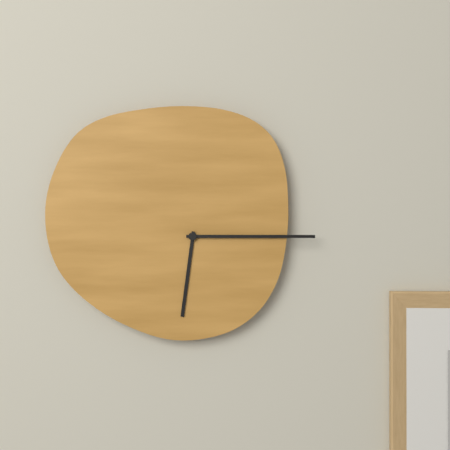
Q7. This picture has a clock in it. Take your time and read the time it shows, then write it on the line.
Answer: 6:15
